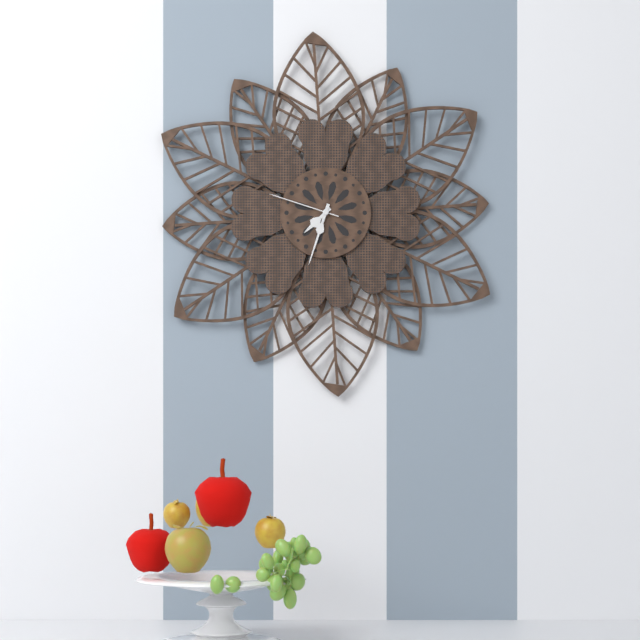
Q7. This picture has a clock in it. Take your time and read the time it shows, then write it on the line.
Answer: 7:33:48
